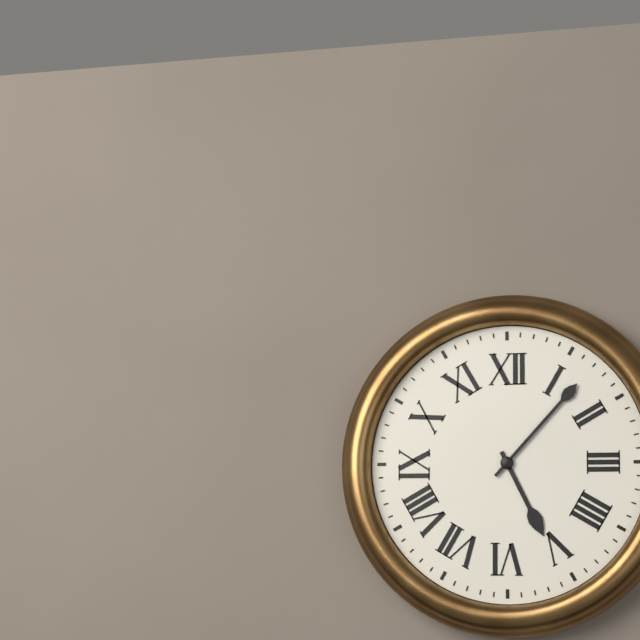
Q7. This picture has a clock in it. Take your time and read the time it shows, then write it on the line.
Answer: 5:07
